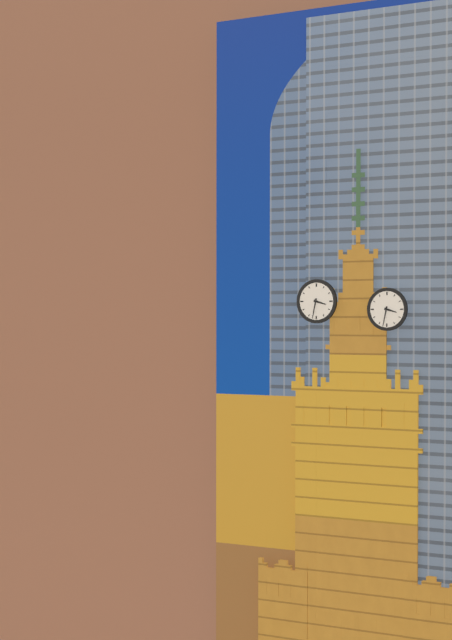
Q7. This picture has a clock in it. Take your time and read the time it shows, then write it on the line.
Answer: 3:32
